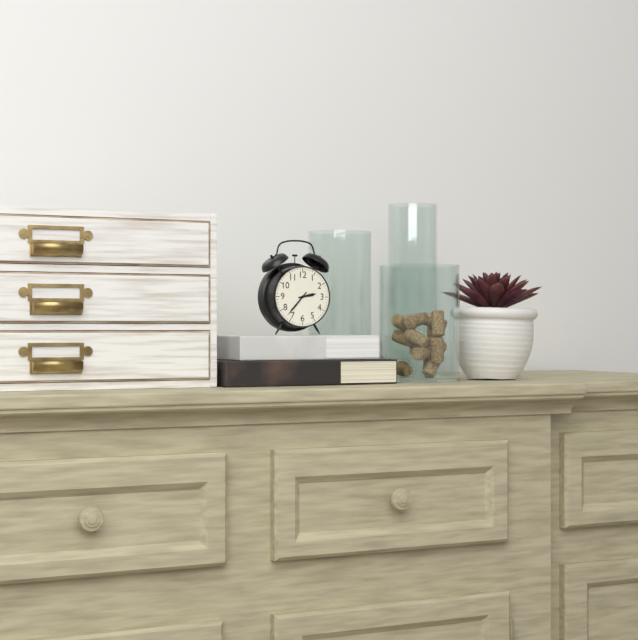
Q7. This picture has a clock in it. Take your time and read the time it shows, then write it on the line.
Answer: 2:37
